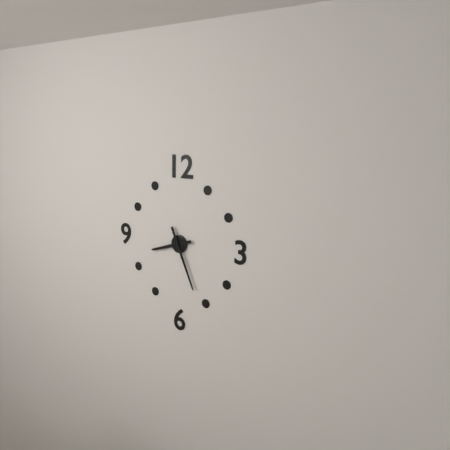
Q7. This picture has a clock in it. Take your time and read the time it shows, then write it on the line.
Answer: 8:26
